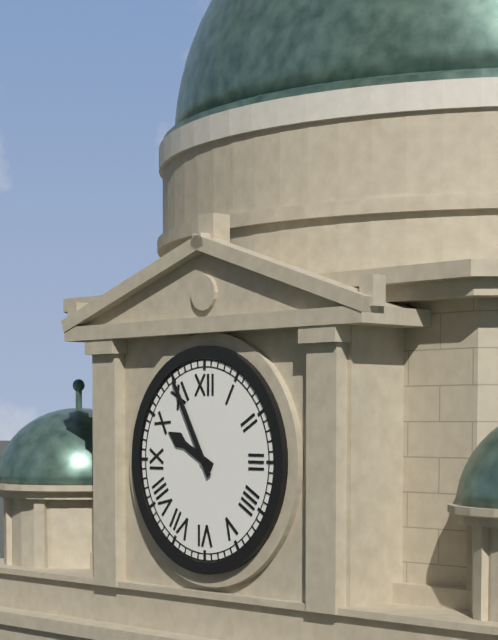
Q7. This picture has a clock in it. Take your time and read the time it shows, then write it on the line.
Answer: 9:55
